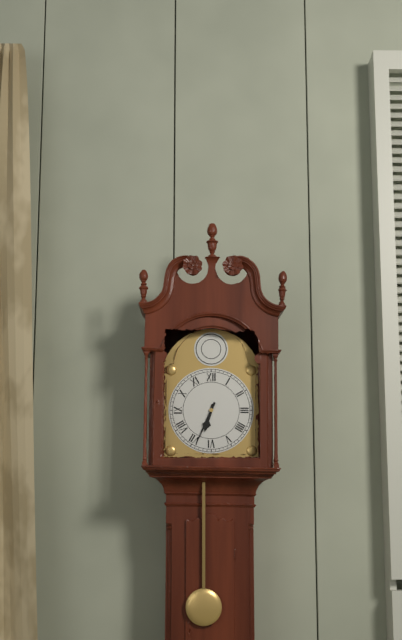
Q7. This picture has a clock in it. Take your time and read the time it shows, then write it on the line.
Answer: 6:34
